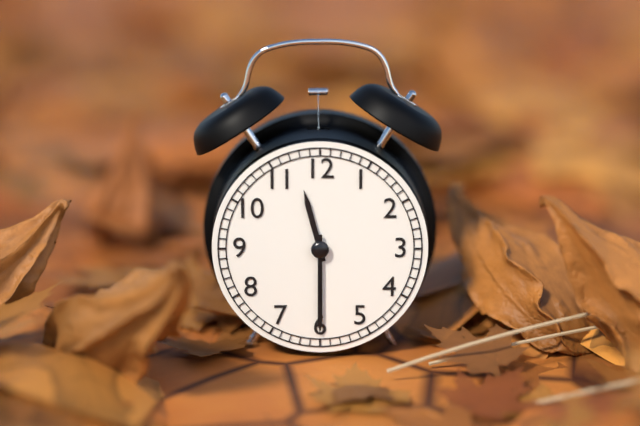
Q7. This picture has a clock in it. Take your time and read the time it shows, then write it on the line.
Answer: 11:30:30
